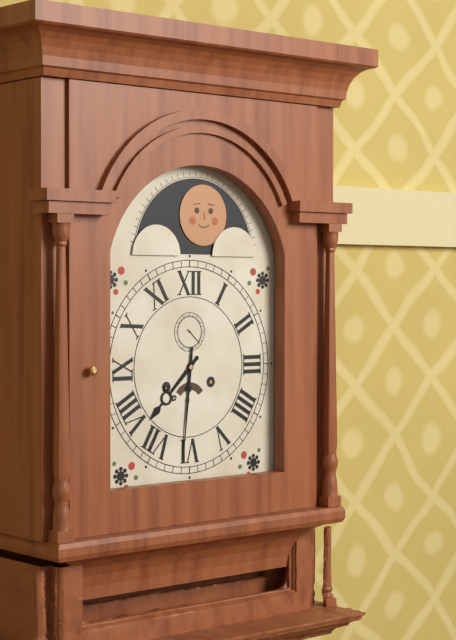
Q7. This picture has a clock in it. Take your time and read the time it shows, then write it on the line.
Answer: 7:31
